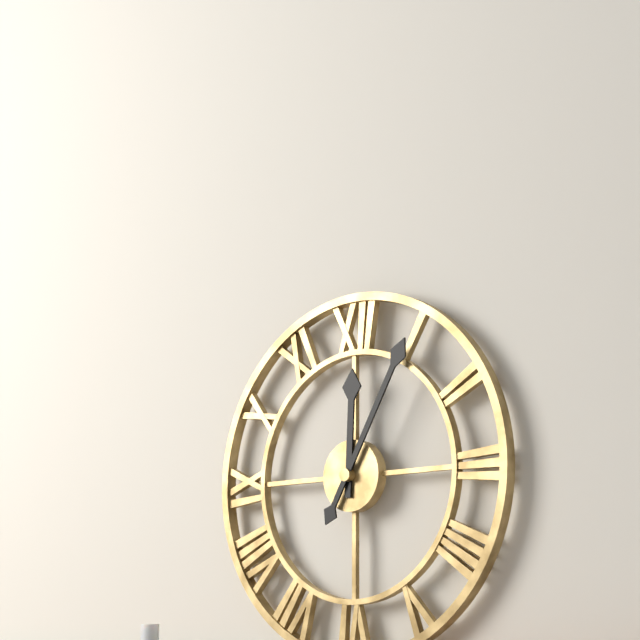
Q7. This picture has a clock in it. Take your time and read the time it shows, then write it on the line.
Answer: 12:05
